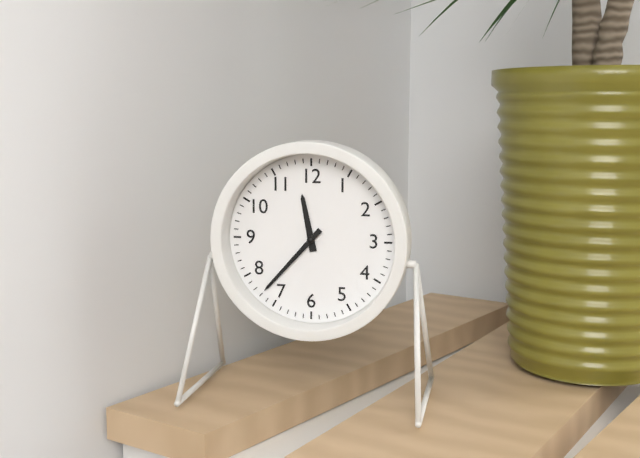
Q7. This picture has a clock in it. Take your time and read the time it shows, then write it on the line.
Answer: 11:37
